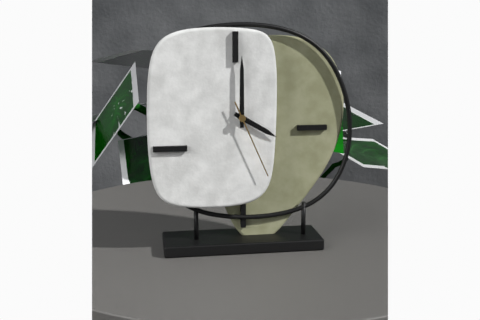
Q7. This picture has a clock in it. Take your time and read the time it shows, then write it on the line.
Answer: 4:00:26
